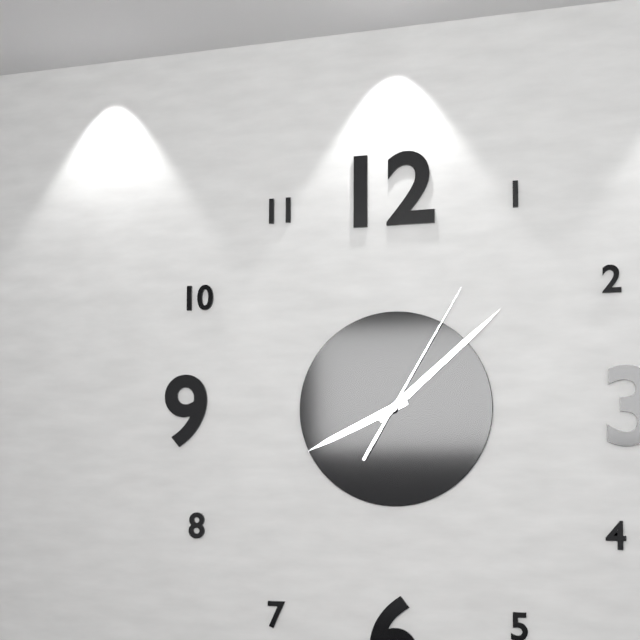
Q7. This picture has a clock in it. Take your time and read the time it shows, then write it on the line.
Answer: 8:08:05
